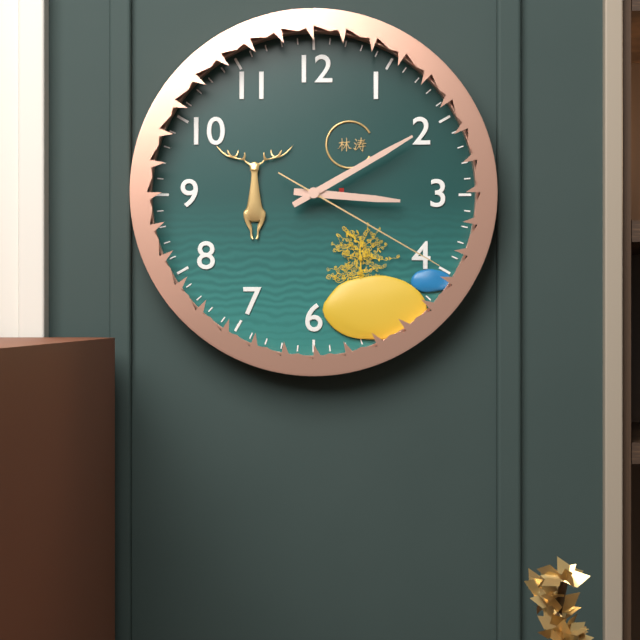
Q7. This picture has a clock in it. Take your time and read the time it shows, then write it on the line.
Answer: 3:10:20
